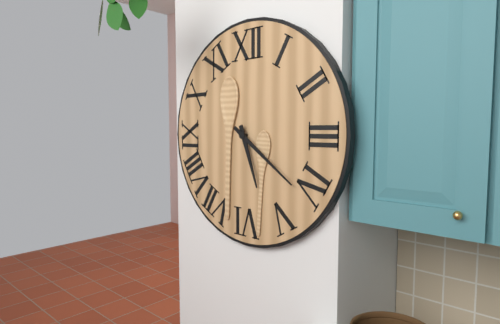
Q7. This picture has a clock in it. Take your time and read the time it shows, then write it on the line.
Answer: 5:21
